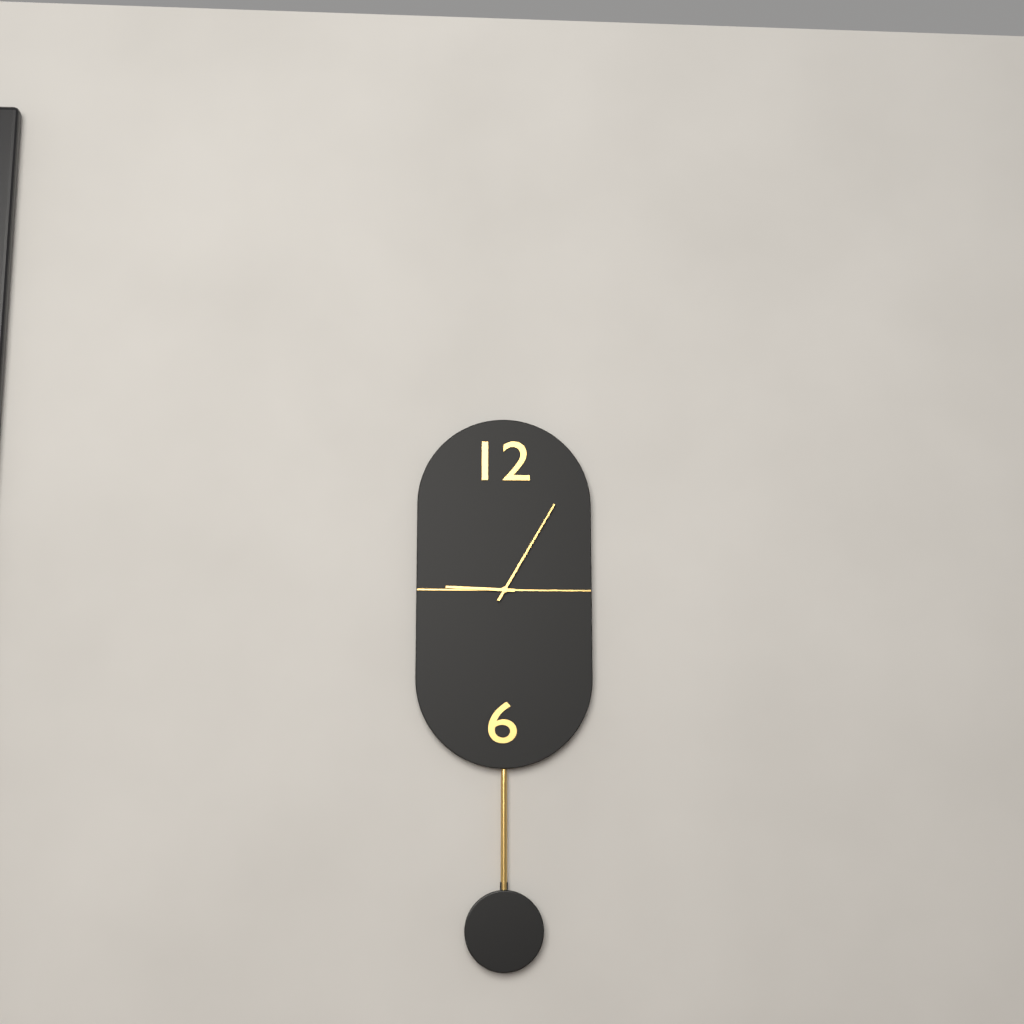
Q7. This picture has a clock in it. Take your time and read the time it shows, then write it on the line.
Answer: 9:05
